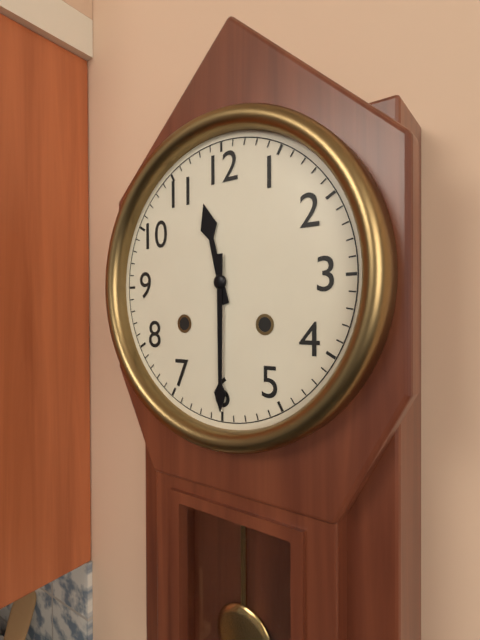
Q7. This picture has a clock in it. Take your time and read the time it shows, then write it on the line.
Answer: 11:30
